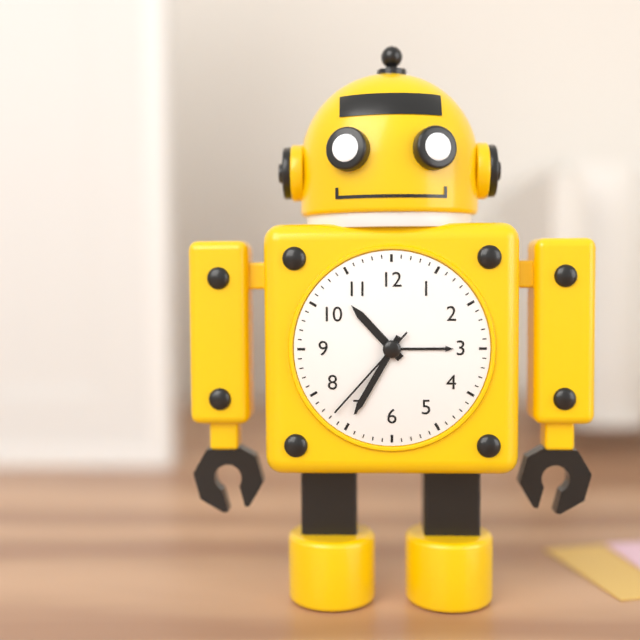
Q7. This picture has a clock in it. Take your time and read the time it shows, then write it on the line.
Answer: 10:35:37
